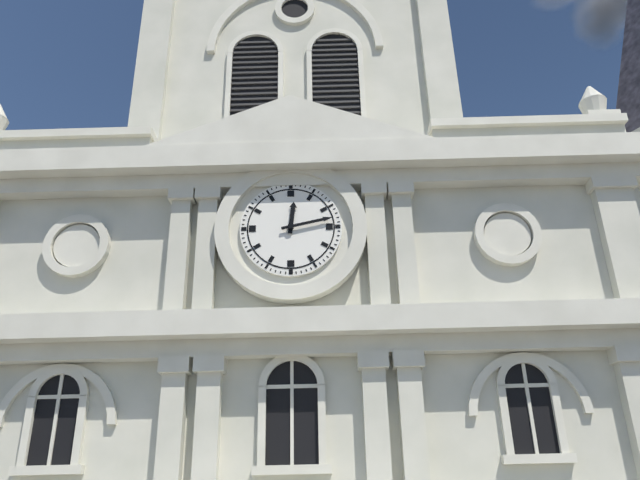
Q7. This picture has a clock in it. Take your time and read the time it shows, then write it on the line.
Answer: 12:13
